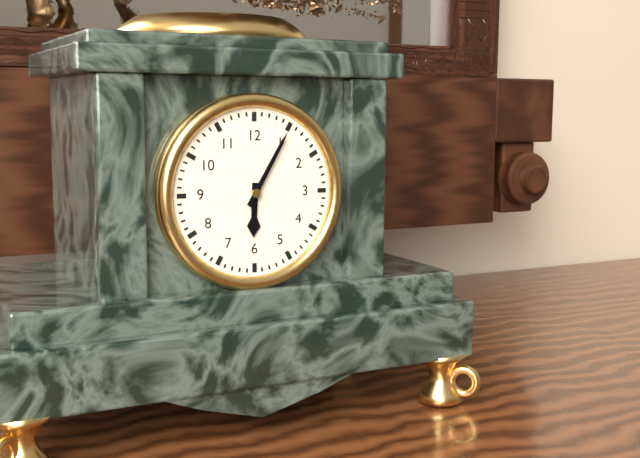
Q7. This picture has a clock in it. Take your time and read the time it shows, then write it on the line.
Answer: 6:05
